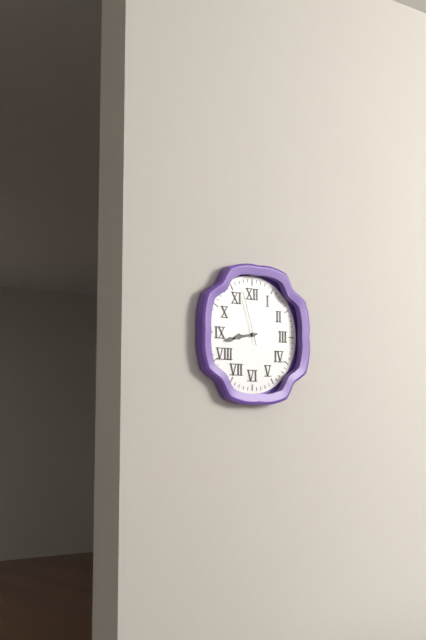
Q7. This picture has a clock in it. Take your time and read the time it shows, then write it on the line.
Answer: 8:43:57
